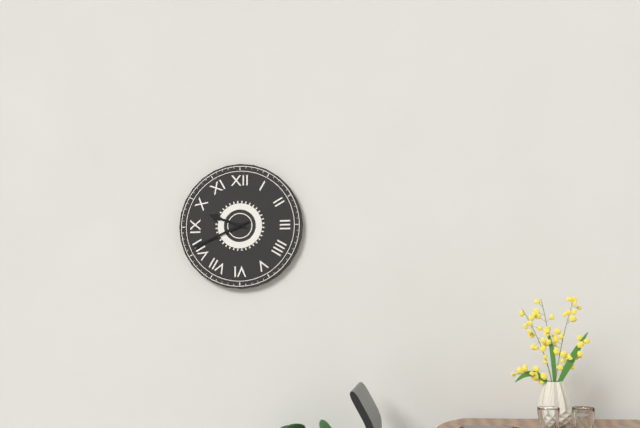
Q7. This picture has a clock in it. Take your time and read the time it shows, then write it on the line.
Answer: 9:41
